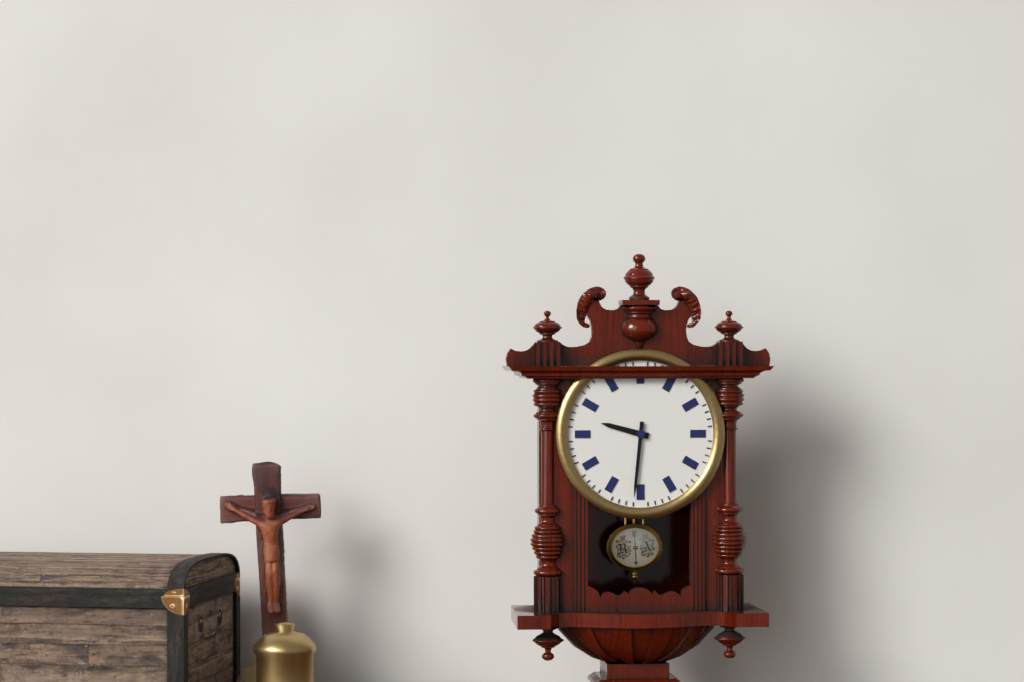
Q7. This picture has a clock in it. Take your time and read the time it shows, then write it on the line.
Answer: 9:31
